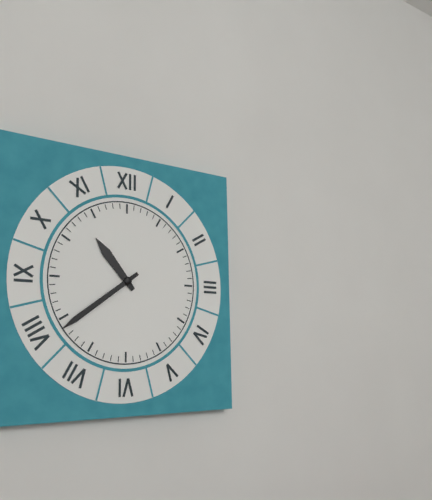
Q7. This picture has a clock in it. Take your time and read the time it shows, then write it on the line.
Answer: 10:39
